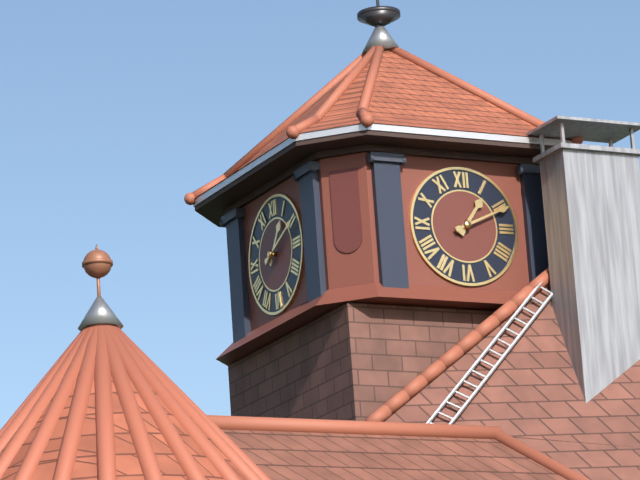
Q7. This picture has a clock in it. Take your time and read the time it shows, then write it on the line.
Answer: 1:11
